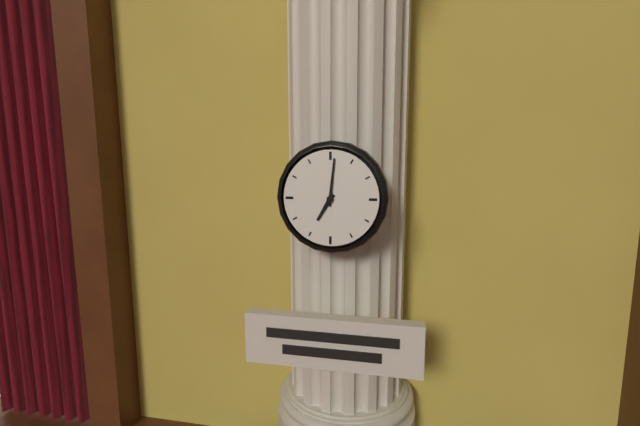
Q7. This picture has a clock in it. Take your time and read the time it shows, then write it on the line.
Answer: 7:01
